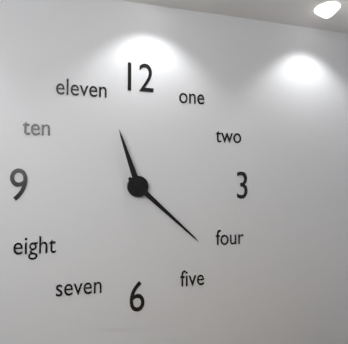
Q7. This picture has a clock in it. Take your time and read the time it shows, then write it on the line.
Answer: 11:22
